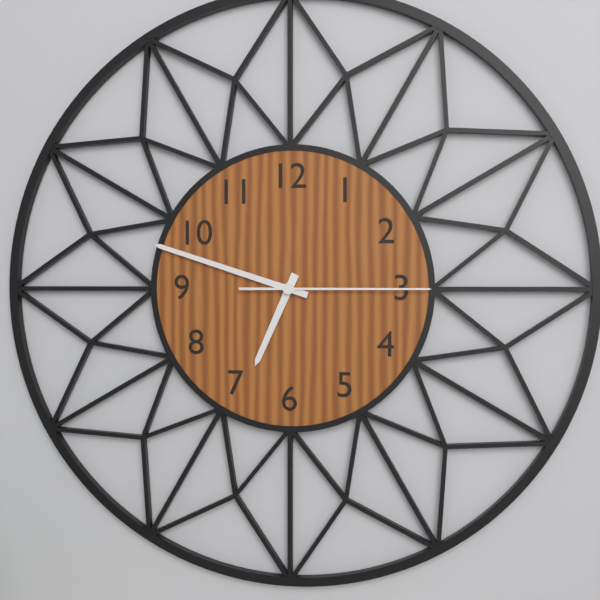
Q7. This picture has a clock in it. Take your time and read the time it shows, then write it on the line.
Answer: 6:48:15
